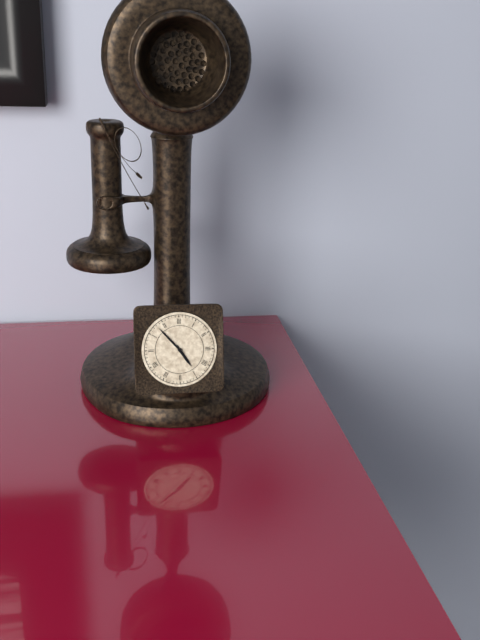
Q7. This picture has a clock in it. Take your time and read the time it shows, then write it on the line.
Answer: 4:53
